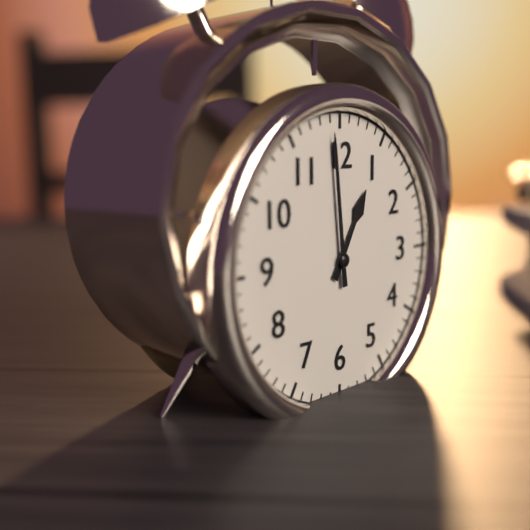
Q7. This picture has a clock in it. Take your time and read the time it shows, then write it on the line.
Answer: 12:59
